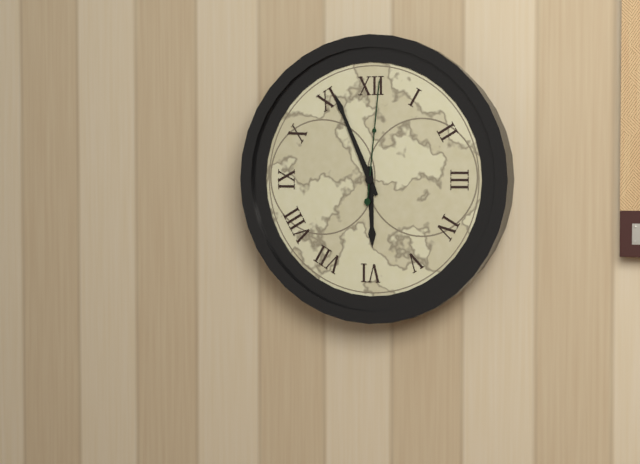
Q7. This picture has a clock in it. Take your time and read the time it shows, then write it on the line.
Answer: 5:56:01
